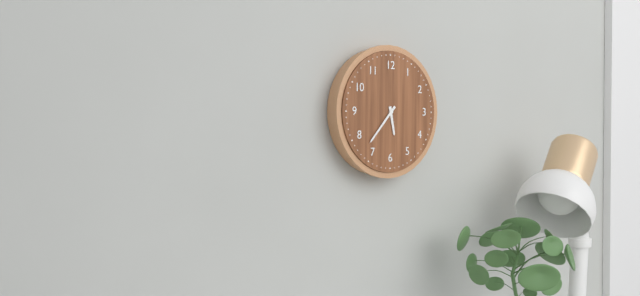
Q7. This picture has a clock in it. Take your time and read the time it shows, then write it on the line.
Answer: 5:37
